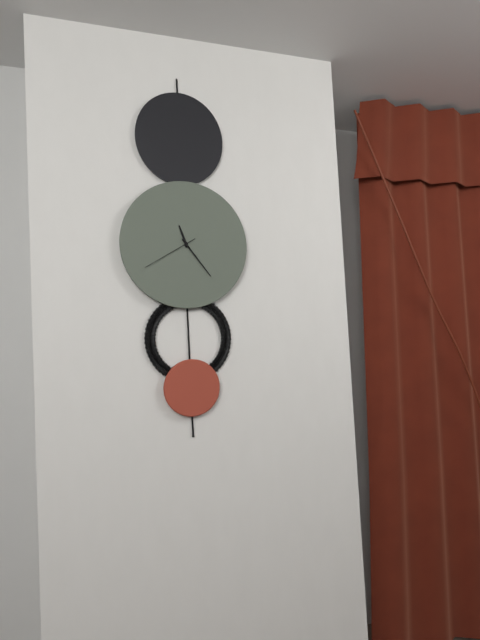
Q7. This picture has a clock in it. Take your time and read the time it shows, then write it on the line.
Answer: 11:24:40
